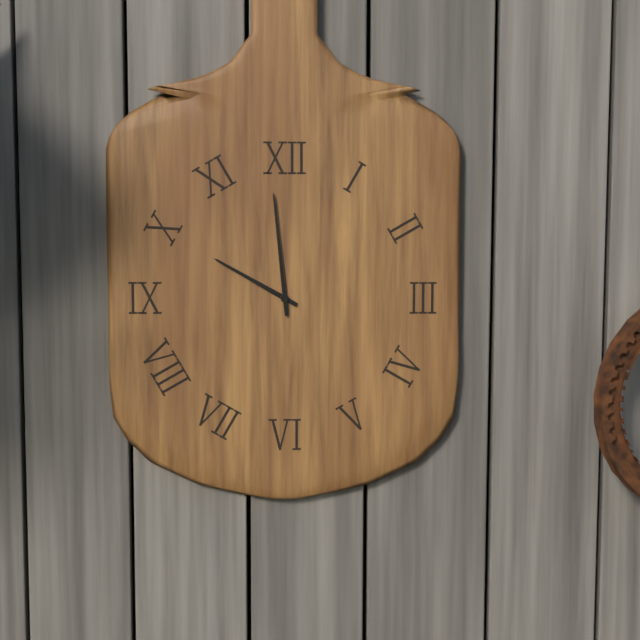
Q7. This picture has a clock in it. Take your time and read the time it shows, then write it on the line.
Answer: 9:59
